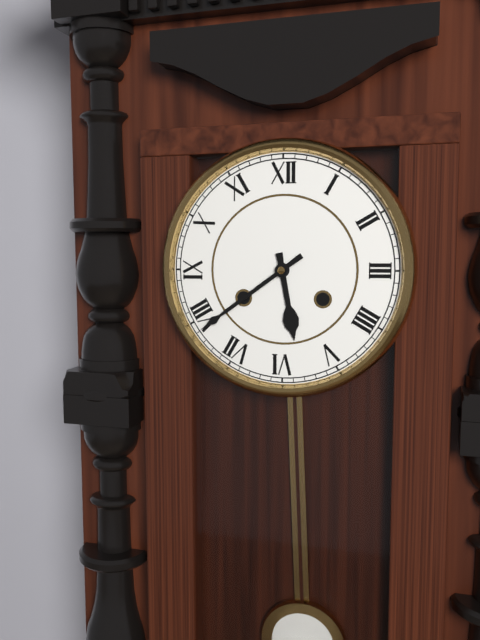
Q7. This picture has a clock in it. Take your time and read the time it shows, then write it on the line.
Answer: 5:39
